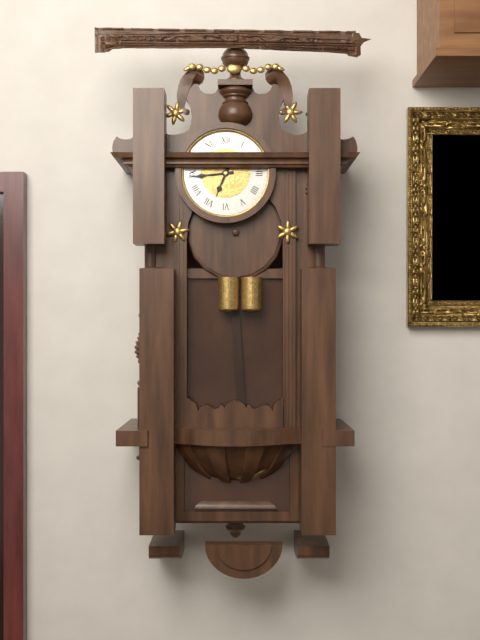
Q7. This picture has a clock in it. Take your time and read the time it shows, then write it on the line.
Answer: 6:44
